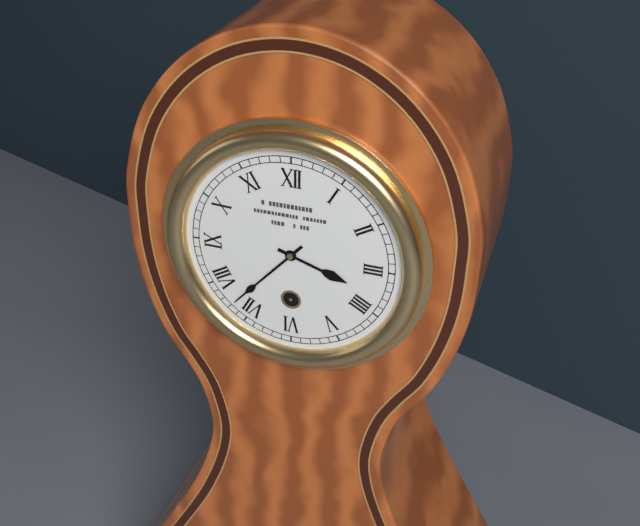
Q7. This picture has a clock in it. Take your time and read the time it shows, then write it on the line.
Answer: 3:37
